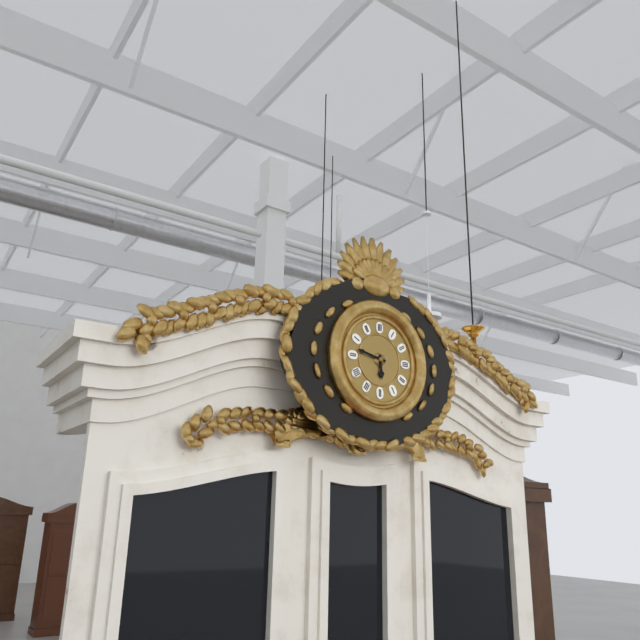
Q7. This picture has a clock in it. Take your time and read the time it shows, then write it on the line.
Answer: 5:47
